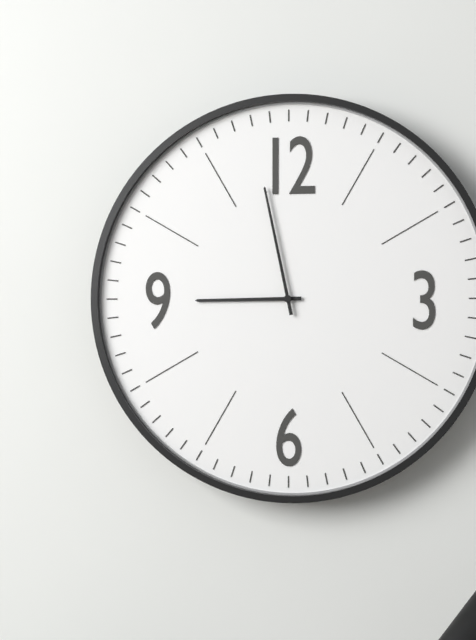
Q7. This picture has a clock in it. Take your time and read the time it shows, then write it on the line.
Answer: 8:58
